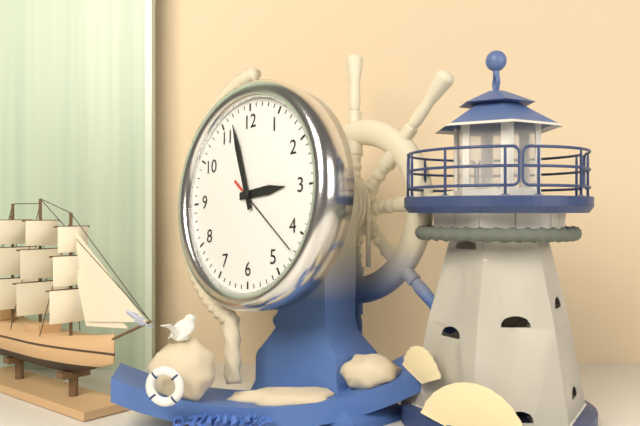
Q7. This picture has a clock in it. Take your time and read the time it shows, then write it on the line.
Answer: 2:57:22
